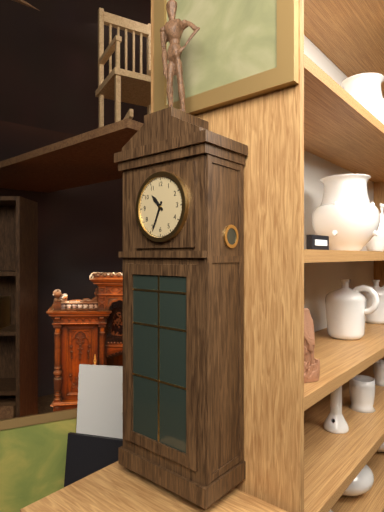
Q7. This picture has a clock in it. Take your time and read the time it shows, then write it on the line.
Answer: 10:34
